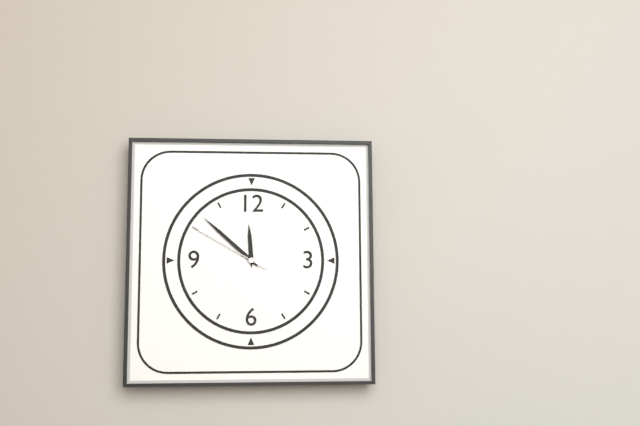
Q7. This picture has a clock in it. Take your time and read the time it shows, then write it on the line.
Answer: 11:52:50
